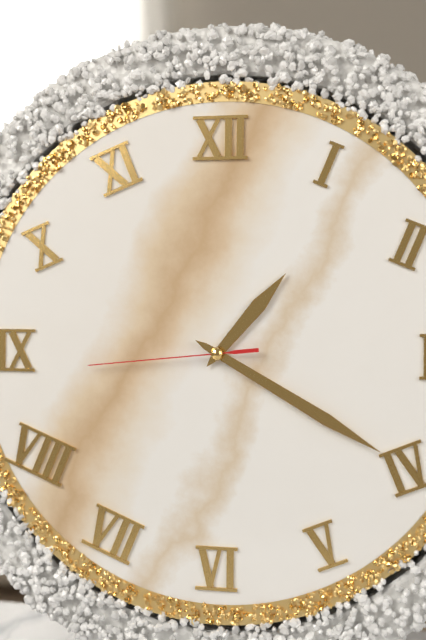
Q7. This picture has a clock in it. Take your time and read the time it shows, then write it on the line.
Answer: 1:20:44
